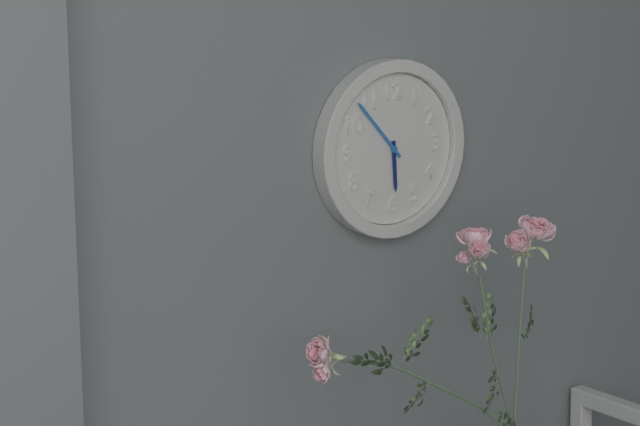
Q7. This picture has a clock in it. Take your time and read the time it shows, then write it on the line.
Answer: 5:53
